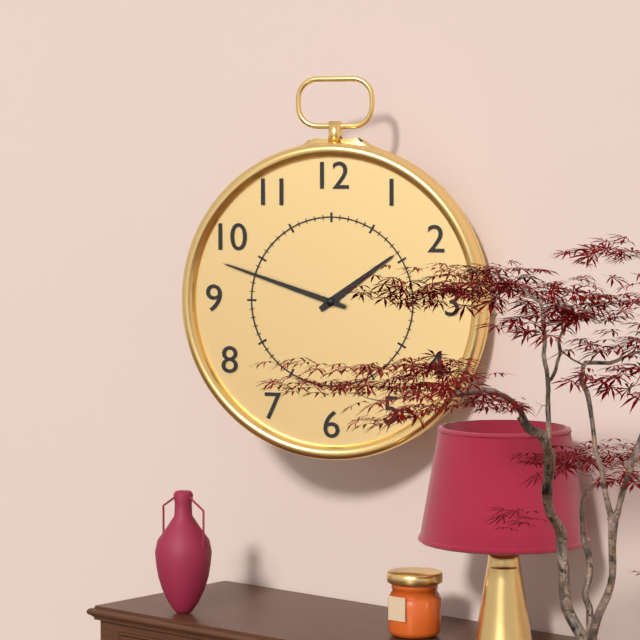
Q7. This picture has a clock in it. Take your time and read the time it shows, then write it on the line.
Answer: 1:48
